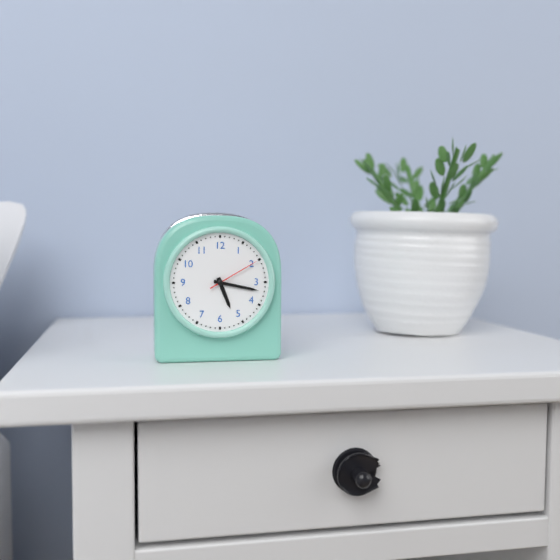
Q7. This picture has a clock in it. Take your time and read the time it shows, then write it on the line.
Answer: 5:17:10
